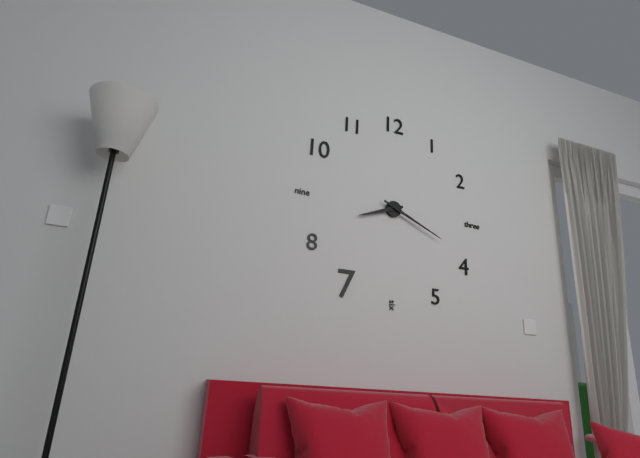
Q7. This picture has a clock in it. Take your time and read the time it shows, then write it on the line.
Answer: 8:19
